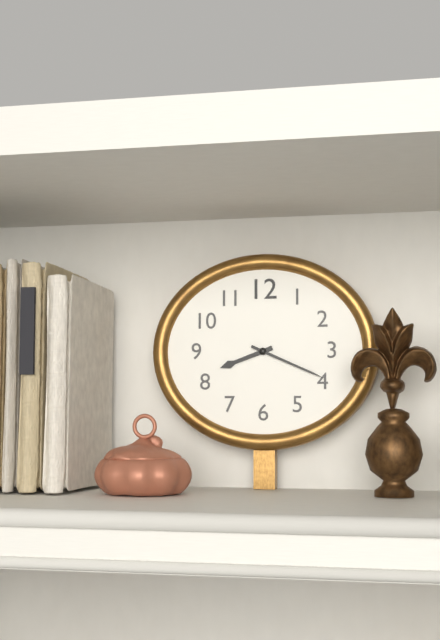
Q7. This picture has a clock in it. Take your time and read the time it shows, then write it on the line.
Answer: 8:19
